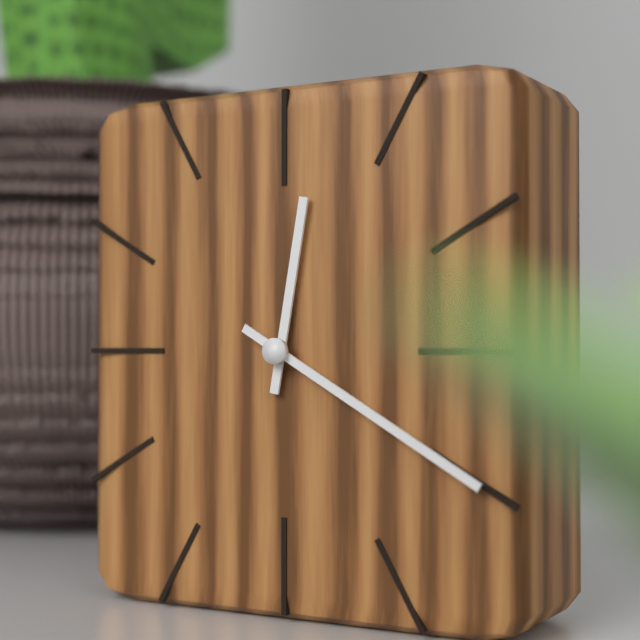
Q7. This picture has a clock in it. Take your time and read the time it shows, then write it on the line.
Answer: 12:20
